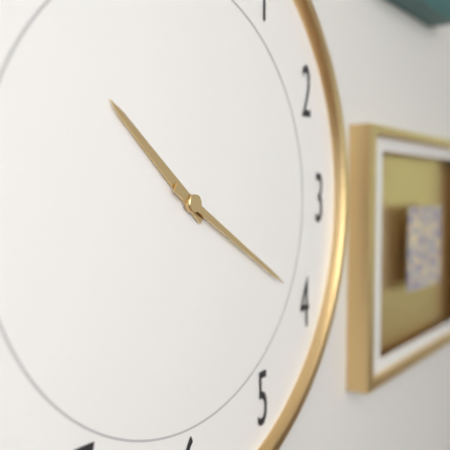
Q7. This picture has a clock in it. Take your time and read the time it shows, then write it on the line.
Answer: 10:20
